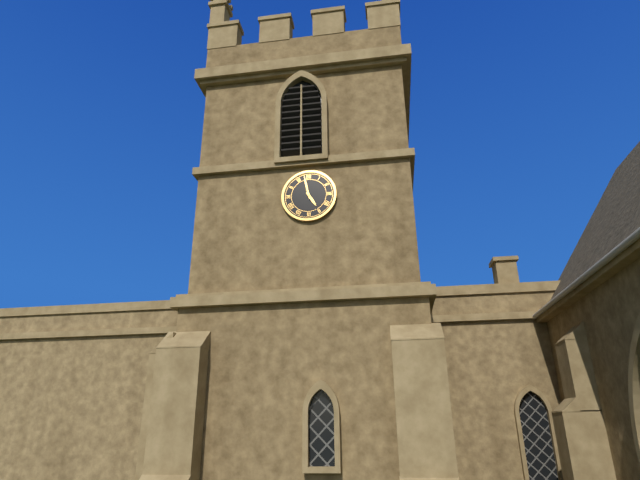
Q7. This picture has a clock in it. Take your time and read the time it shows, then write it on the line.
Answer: 4:58
